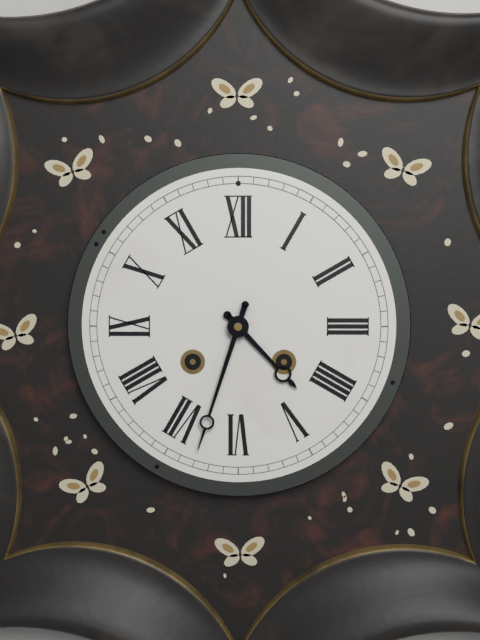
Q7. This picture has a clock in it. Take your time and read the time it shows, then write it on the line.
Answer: 4:33
